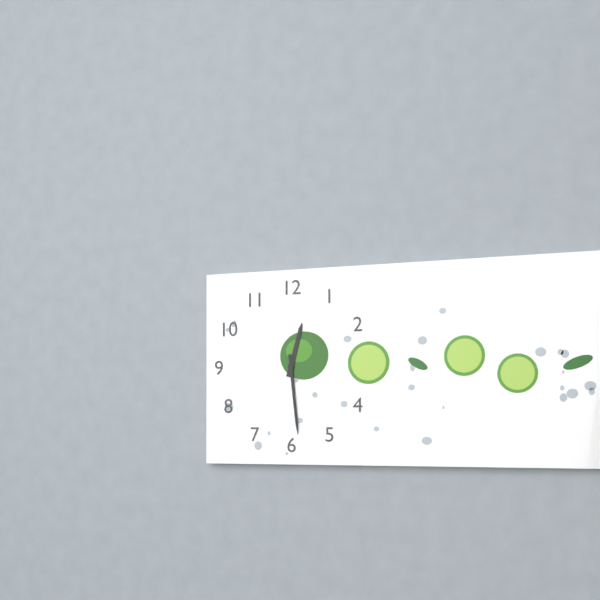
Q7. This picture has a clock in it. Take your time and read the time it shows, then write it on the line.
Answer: 12:29
